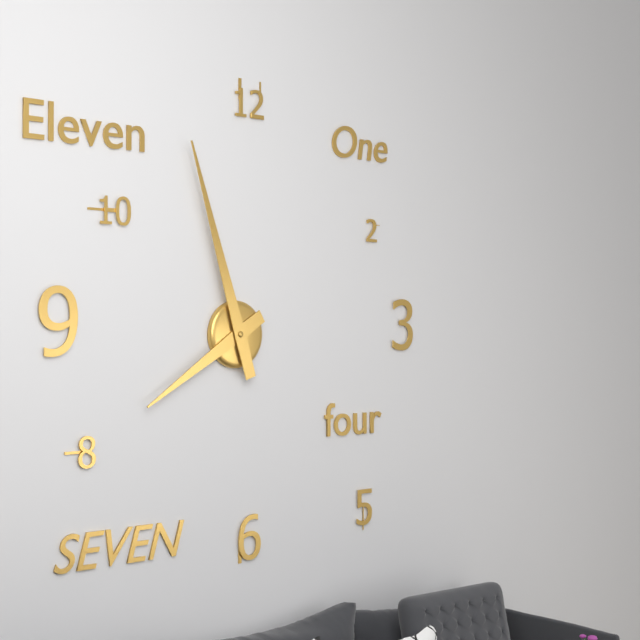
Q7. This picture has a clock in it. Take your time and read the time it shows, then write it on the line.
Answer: 7:57
